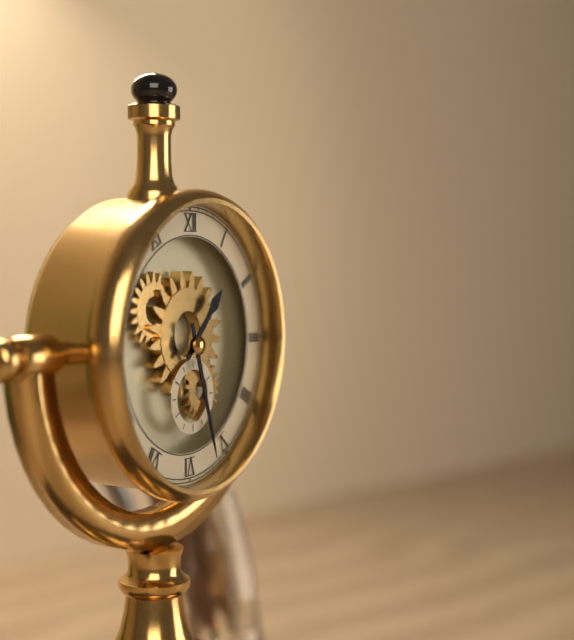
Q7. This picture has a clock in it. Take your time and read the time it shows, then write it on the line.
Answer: 1:27
